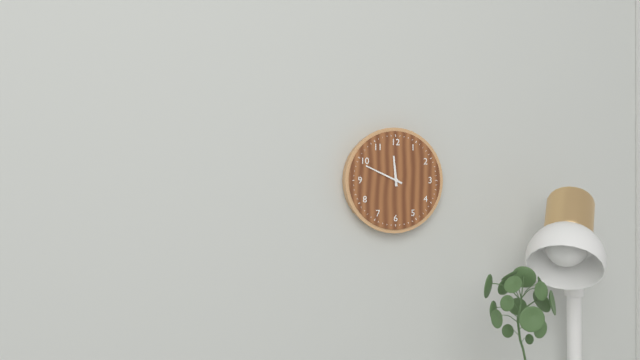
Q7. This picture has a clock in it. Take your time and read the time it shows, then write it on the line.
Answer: 11:49
